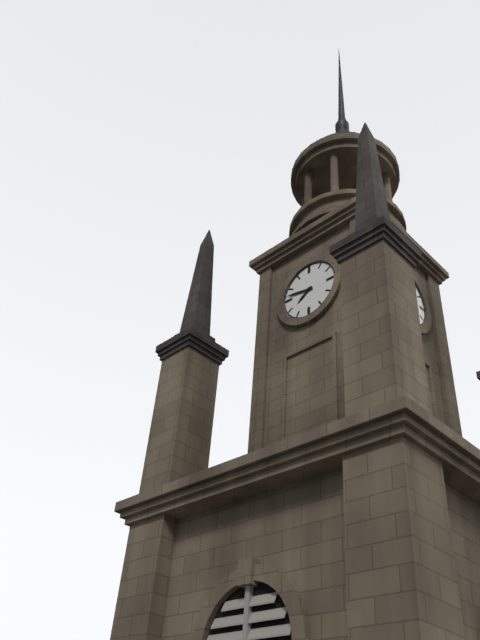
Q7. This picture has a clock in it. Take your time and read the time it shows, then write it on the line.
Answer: 7:47
